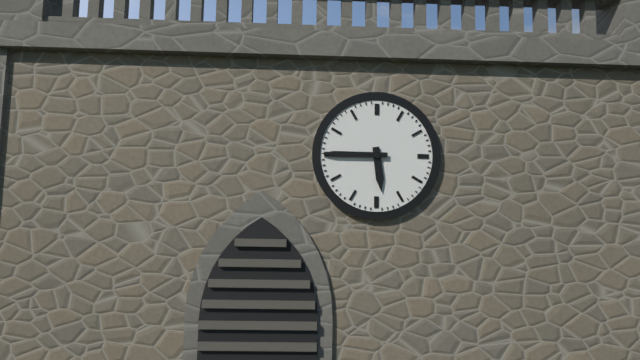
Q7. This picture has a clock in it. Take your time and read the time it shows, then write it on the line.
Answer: 5:45
